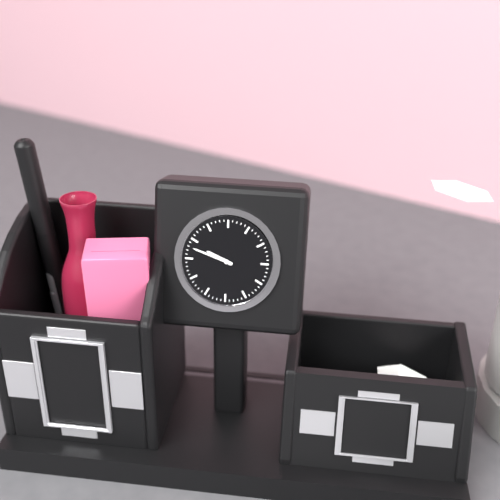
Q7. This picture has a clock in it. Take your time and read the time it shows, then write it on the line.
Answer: 9:48
